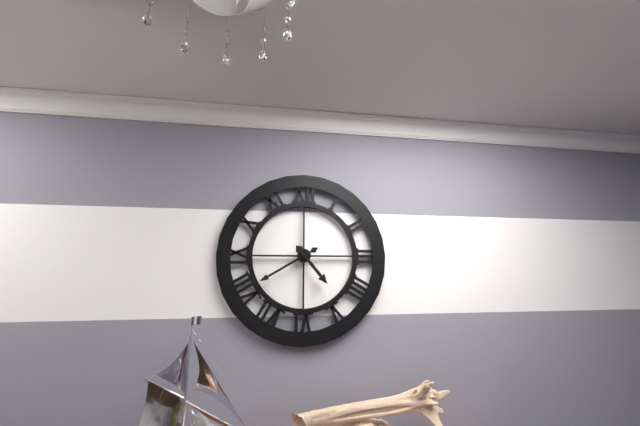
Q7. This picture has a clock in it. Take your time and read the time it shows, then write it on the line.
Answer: 4:40
